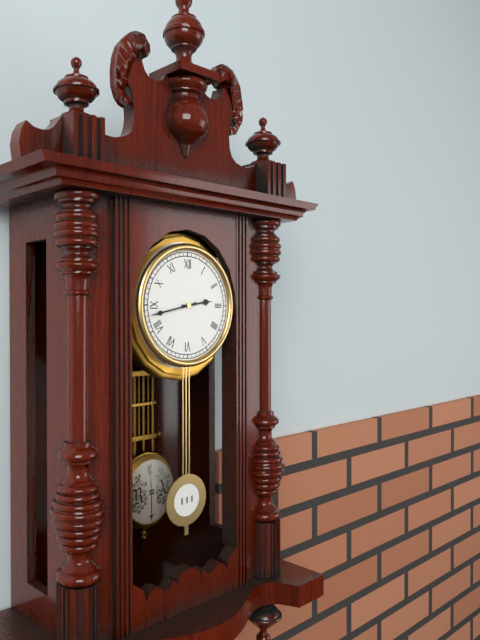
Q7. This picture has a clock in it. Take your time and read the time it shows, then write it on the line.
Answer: 2:43
